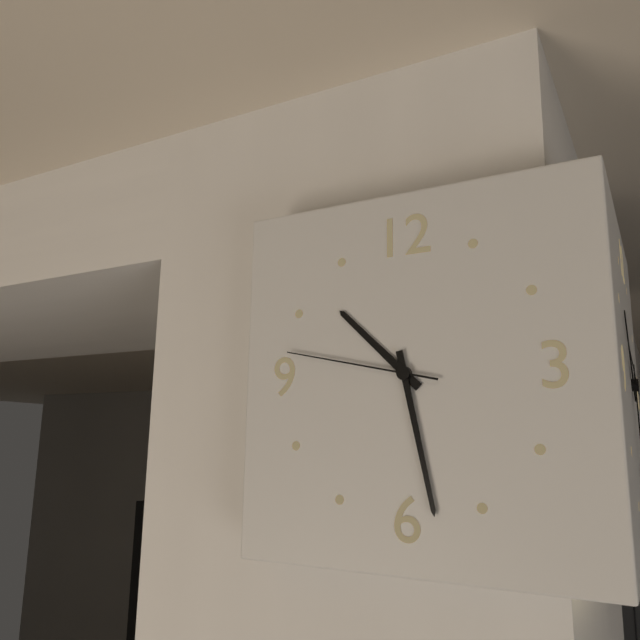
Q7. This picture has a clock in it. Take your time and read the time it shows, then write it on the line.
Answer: 10:28:47
